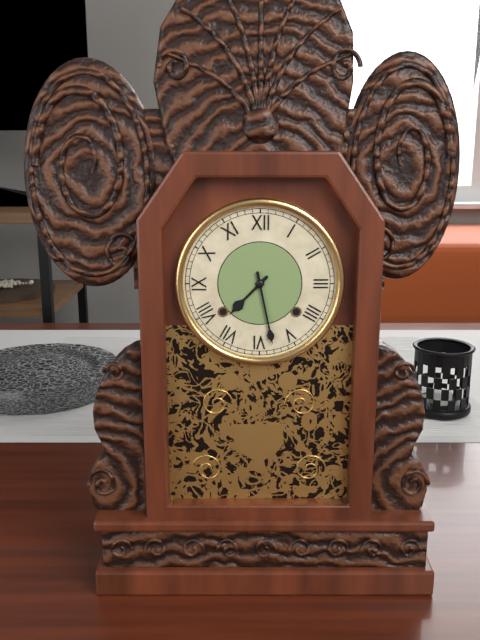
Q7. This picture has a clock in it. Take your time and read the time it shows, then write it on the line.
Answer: 7:28
